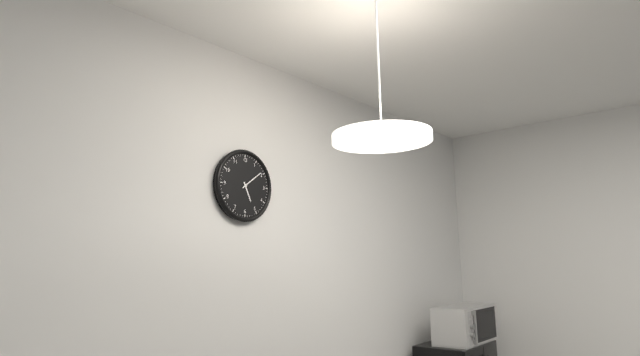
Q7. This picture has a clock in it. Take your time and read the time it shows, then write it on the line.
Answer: 5:09
